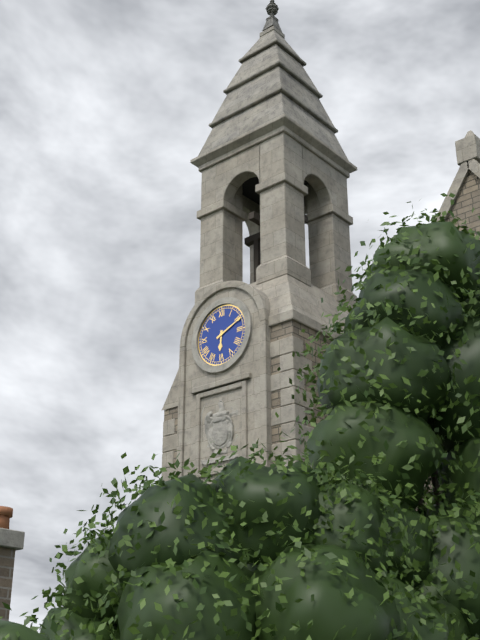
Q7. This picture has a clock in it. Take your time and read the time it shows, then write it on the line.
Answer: 6:11
